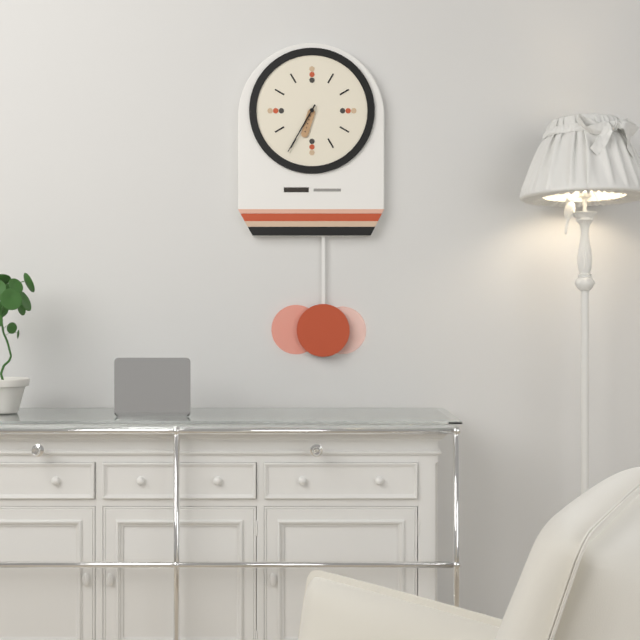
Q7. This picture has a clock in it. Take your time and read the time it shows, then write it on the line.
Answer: 6:35
